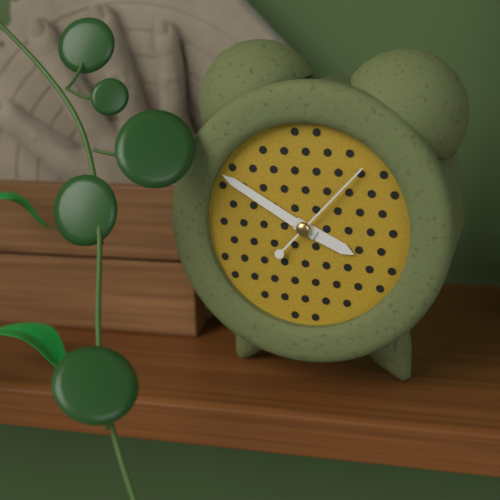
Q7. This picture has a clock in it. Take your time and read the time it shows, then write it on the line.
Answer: 3:50:07
